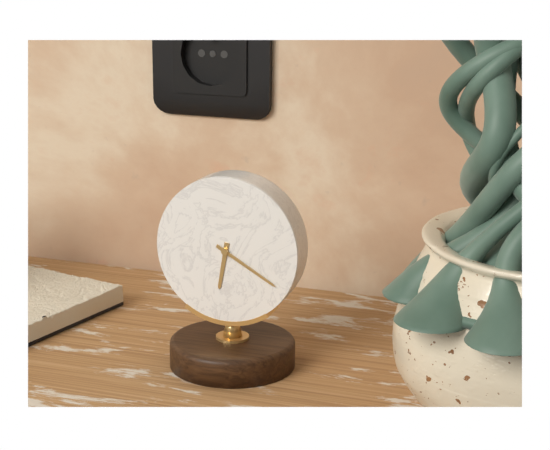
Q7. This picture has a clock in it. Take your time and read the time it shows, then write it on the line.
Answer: 6:20
